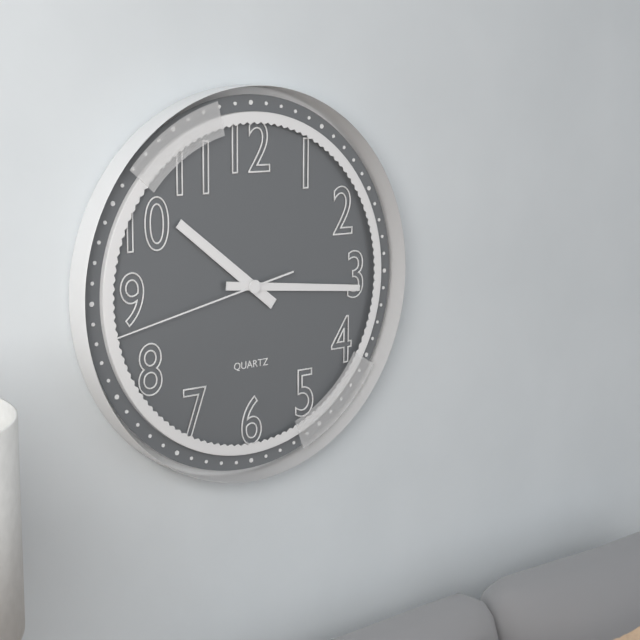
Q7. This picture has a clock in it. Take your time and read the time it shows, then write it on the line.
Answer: 10:16:43
